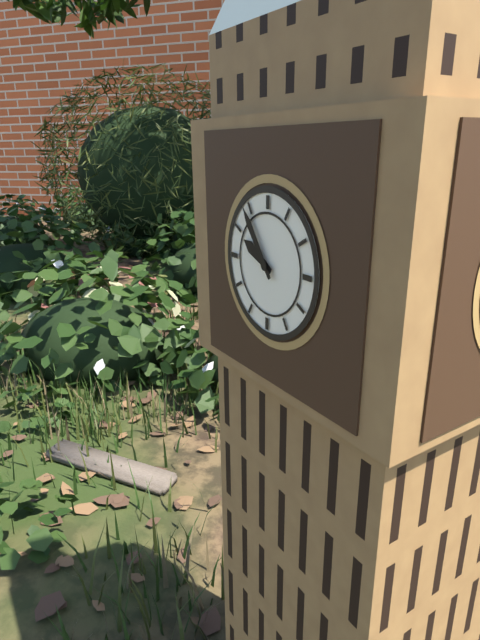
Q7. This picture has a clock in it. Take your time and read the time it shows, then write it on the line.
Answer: 9:54
